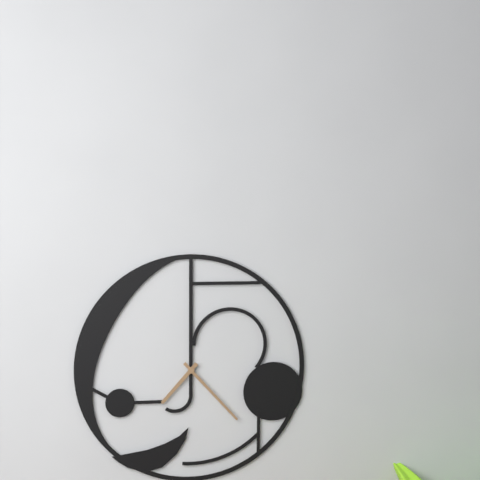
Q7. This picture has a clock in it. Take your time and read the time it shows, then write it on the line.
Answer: 7:23
